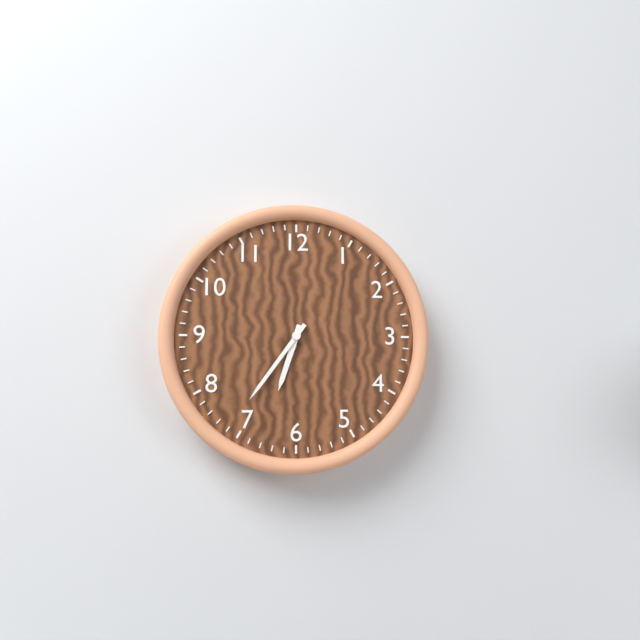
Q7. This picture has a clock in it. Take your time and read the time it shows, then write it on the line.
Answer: 6:36
